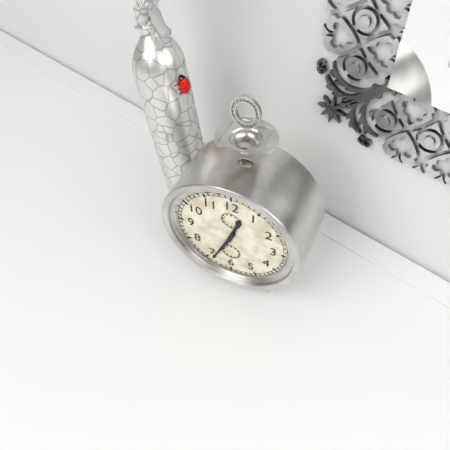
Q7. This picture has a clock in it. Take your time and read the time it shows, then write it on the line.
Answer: 12:34
